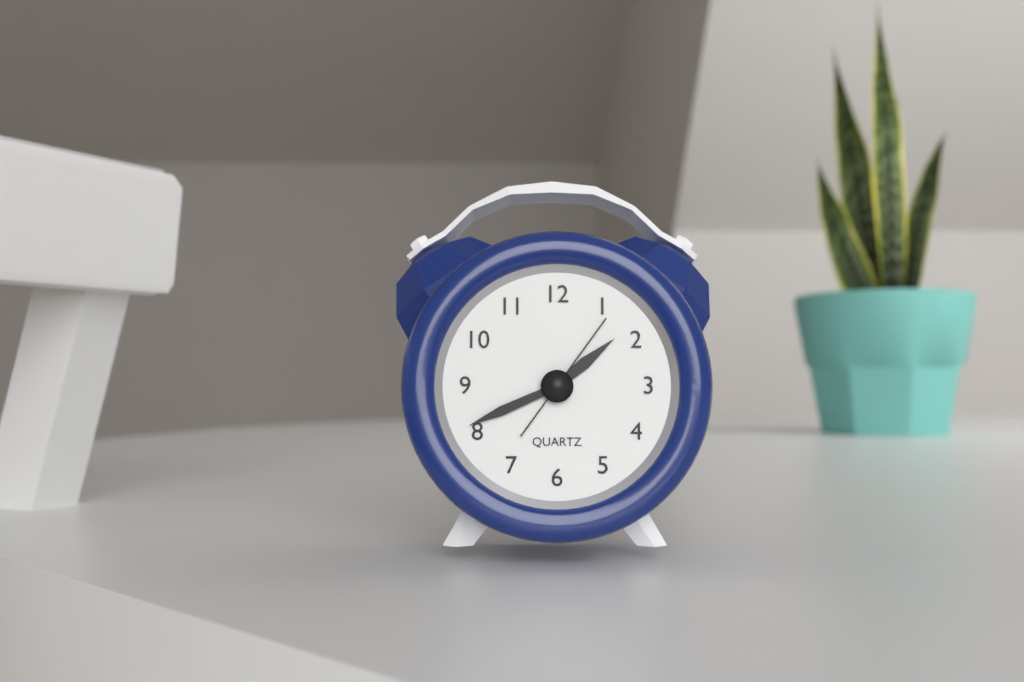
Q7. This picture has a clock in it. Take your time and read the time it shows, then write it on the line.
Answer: 1:41:06
